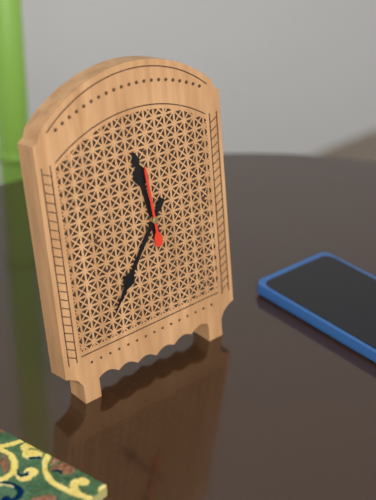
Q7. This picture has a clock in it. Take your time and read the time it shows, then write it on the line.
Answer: 11:36:59
